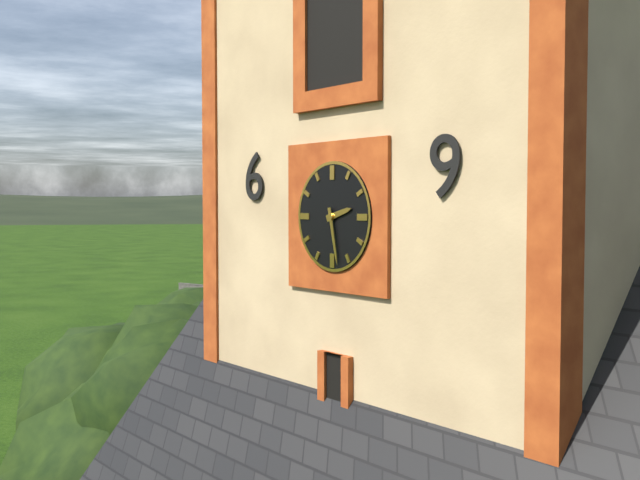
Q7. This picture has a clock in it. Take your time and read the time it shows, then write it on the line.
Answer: 2:28
